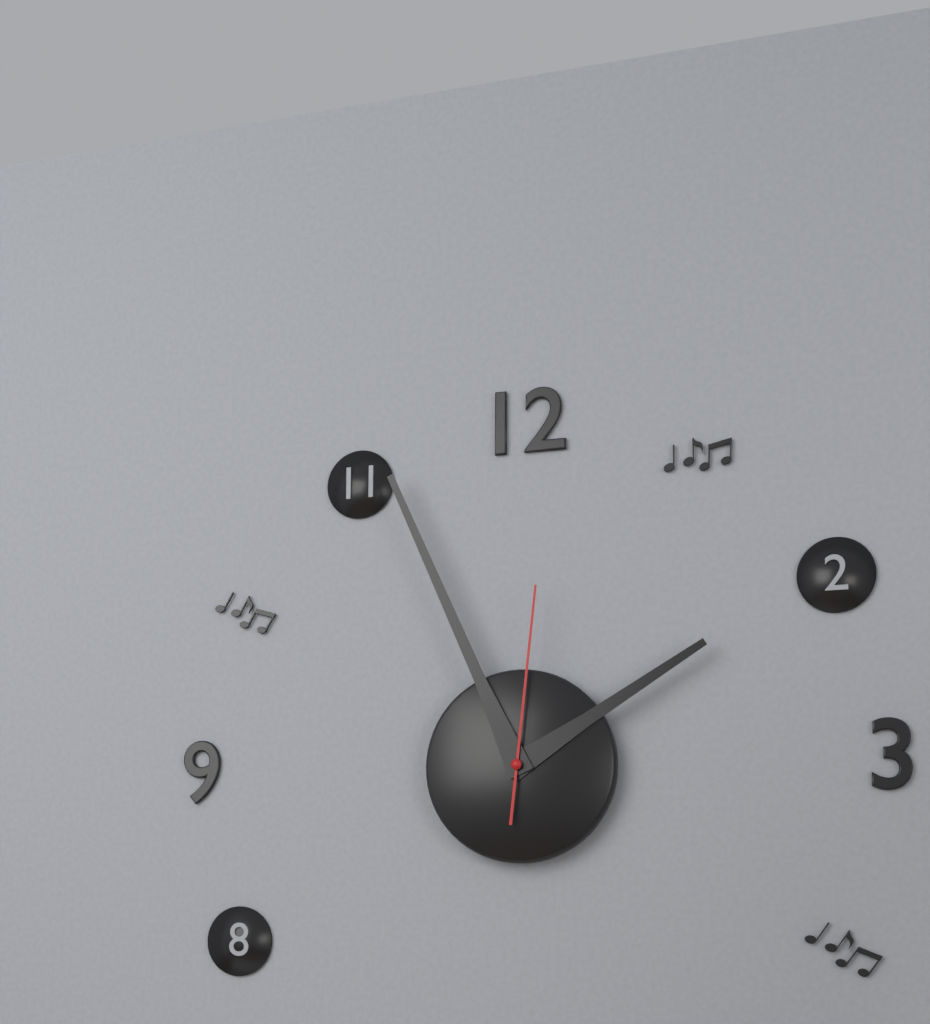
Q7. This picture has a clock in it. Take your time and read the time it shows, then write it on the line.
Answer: 1:56:01
